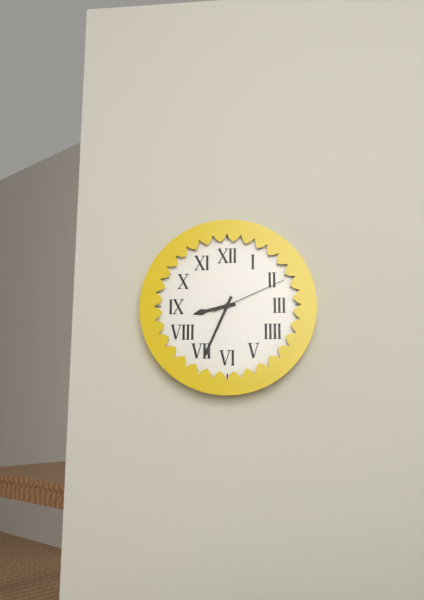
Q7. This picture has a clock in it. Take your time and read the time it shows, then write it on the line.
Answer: 8:34:11
